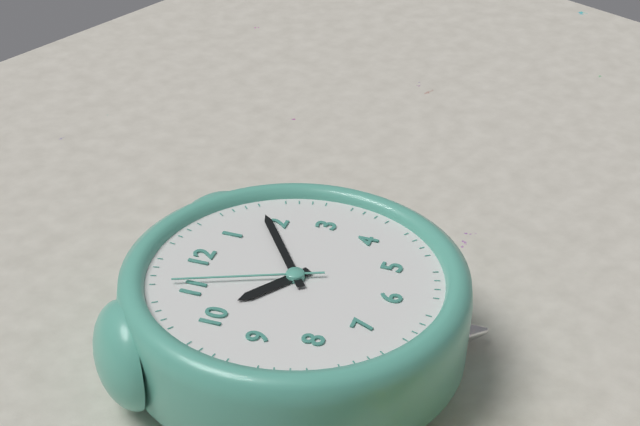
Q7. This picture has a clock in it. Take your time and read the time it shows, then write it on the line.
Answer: 10:09:56
